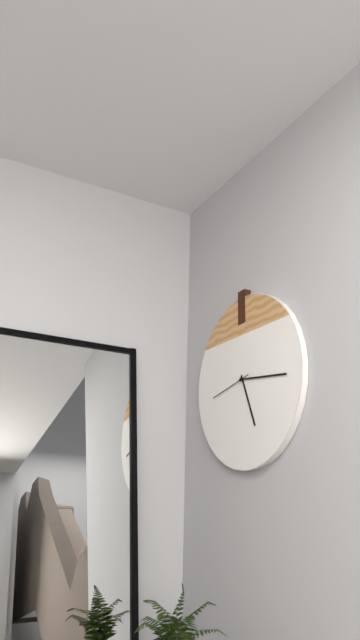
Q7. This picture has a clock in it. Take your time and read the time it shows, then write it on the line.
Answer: 5:16
